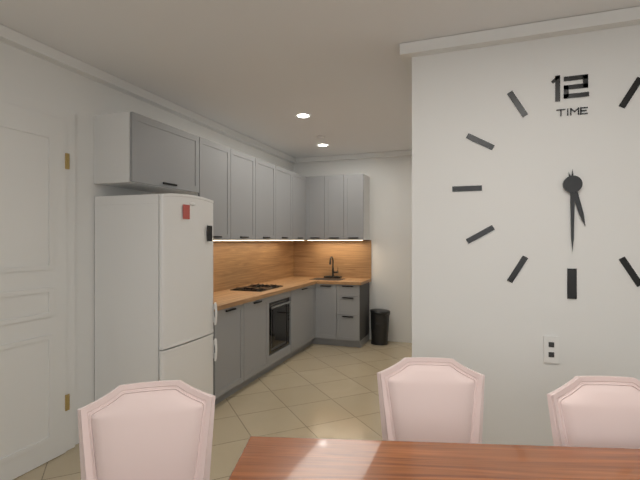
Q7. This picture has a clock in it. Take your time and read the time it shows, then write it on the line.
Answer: 5:30
